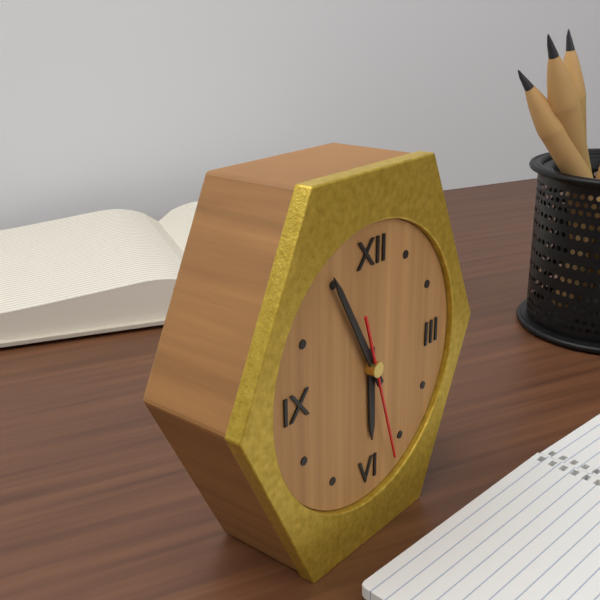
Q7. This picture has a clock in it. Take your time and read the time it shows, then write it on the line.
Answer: 5:55:27
